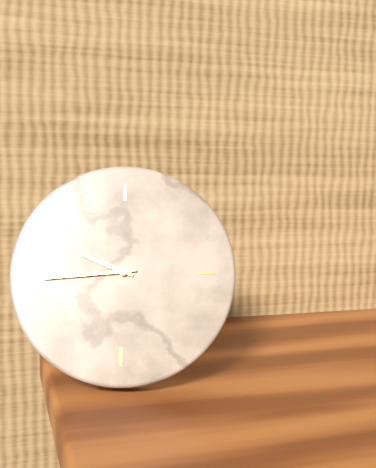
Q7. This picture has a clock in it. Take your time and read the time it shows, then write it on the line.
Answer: 9:44
